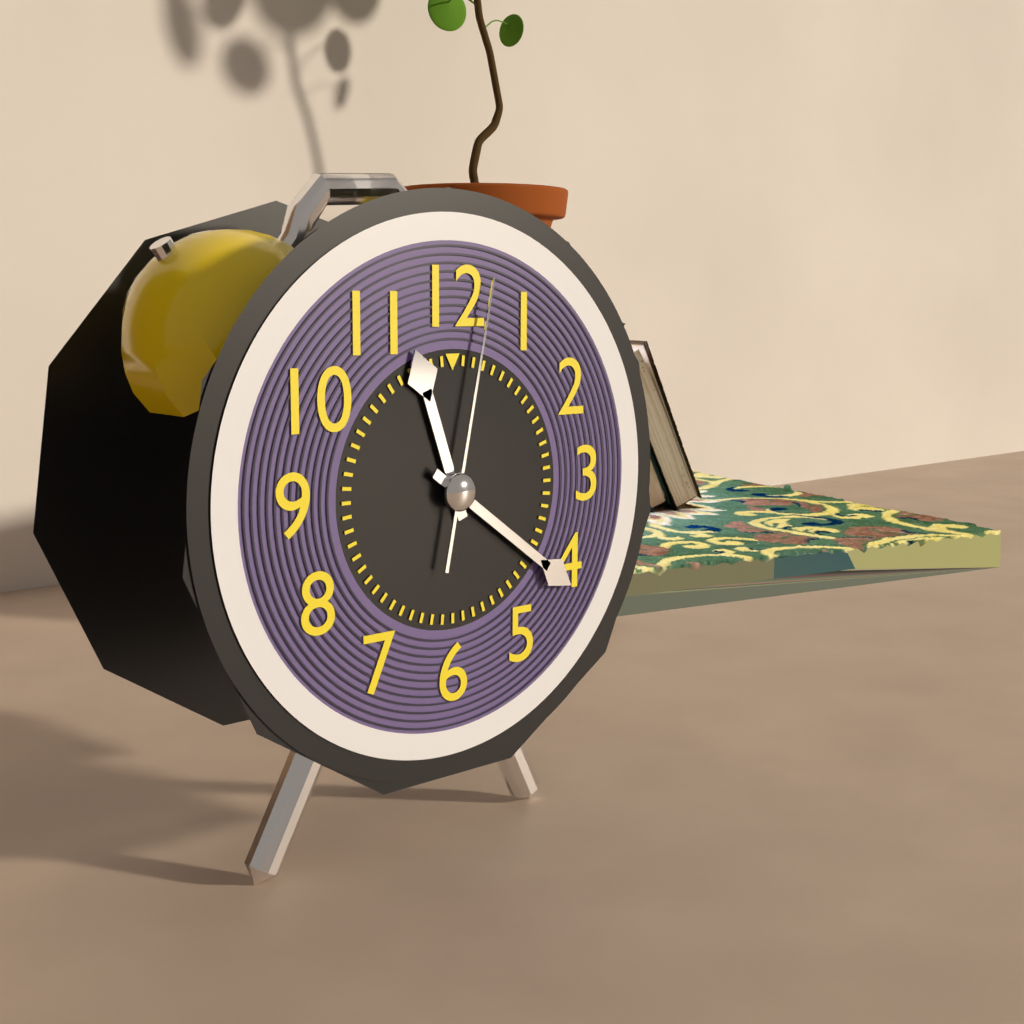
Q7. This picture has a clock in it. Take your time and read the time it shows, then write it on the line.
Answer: 11:21:02
